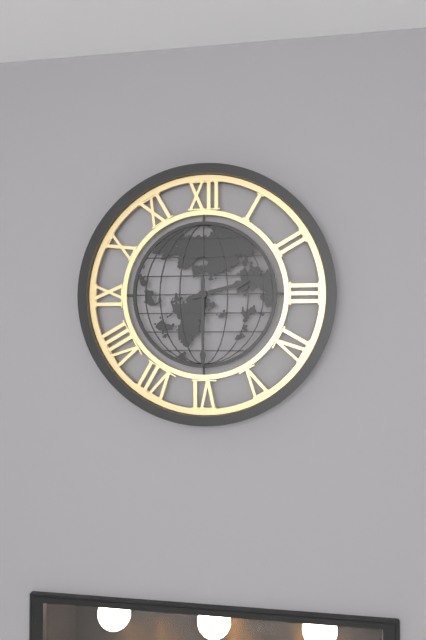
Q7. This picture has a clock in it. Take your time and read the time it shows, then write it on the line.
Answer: 2:30
